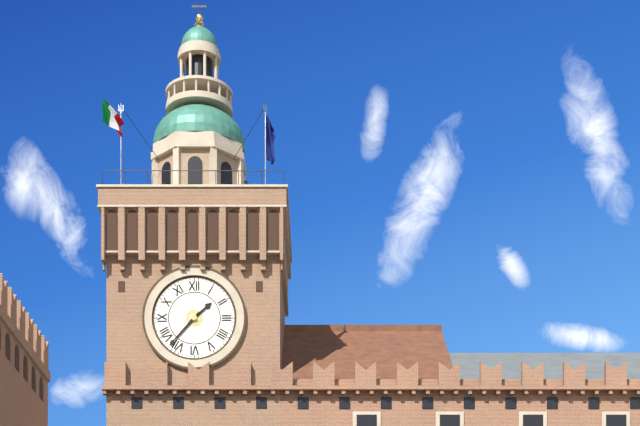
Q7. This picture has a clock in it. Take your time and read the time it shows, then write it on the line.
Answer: 1:37
